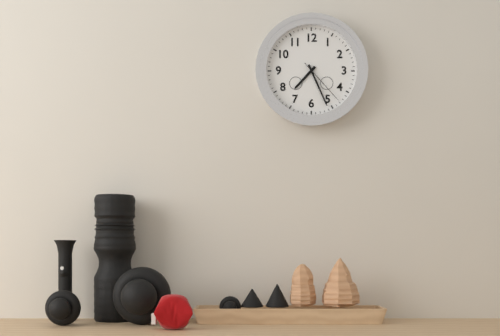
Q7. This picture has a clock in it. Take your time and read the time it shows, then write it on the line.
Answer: 7:26:23
